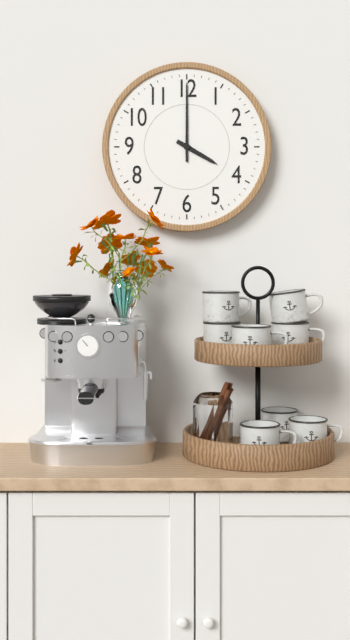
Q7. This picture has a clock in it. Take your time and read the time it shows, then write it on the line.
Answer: 4:00
